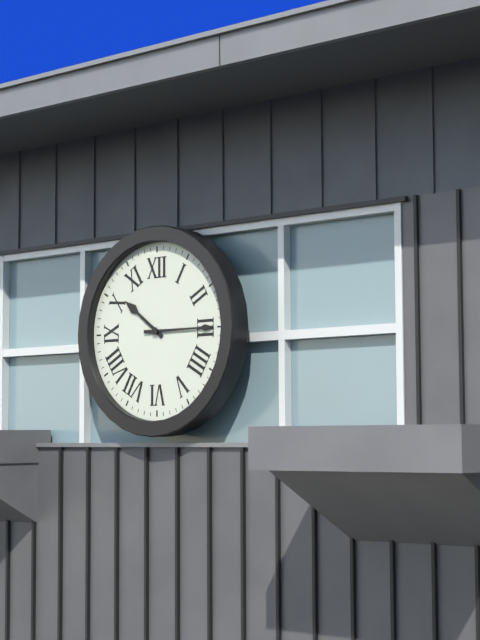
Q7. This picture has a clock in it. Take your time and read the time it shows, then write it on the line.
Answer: 10:15
